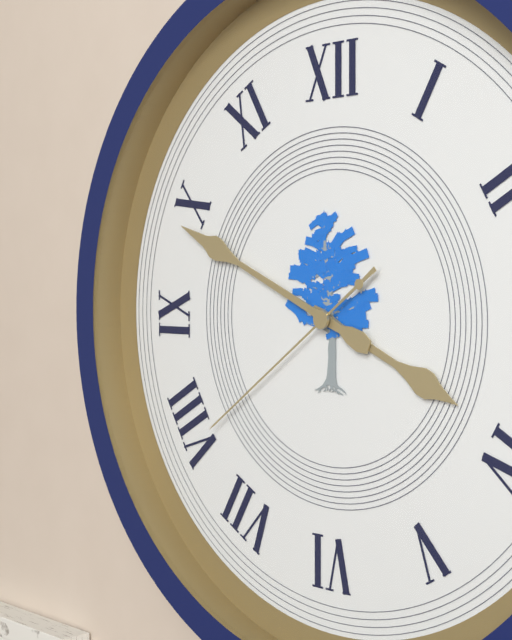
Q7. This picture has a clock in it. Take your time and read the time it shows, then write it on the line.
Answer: 3:49:39
